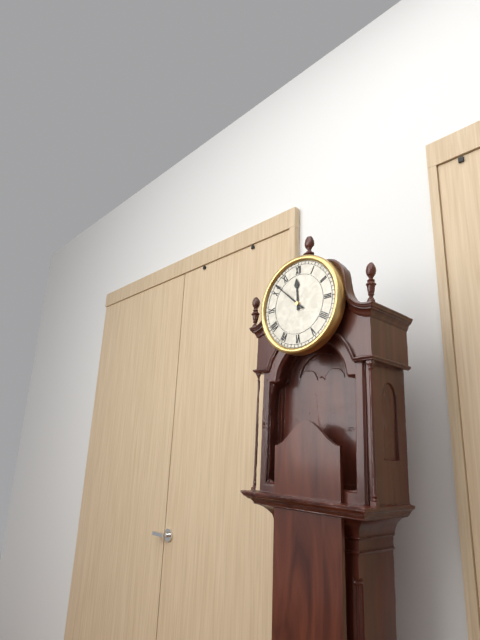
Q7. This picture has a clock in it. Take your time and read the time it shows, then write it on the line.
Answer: 11:52
